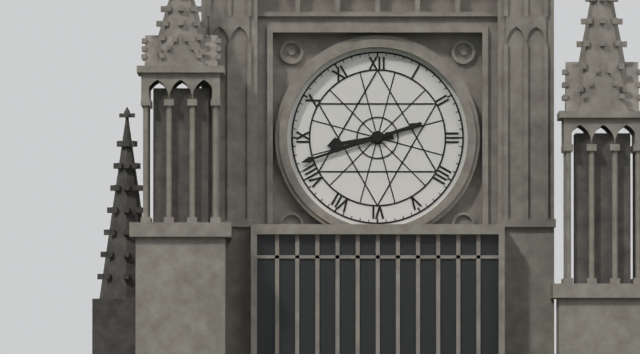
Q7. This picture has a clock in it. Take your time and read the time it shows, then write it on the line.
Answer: 8:42
